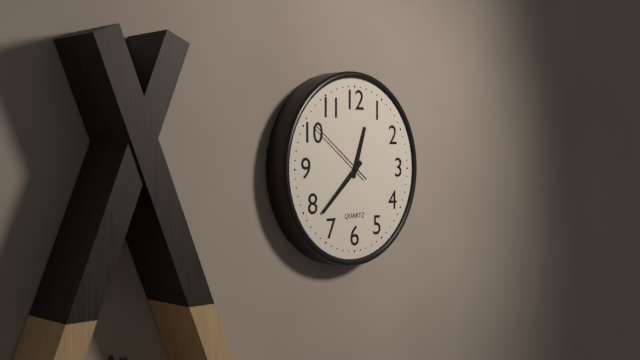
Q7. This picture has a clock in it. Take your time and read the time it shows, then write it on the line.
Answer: 12:38:51
